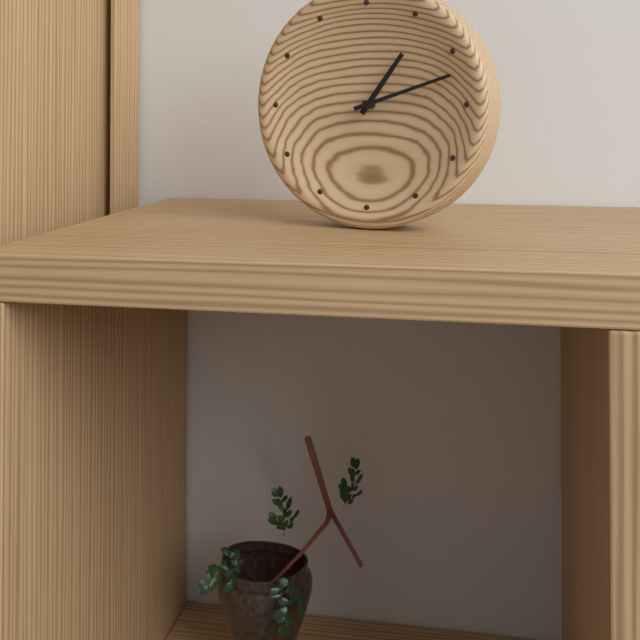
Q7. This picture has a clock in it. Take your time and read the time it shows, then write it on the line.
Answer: 1:12
